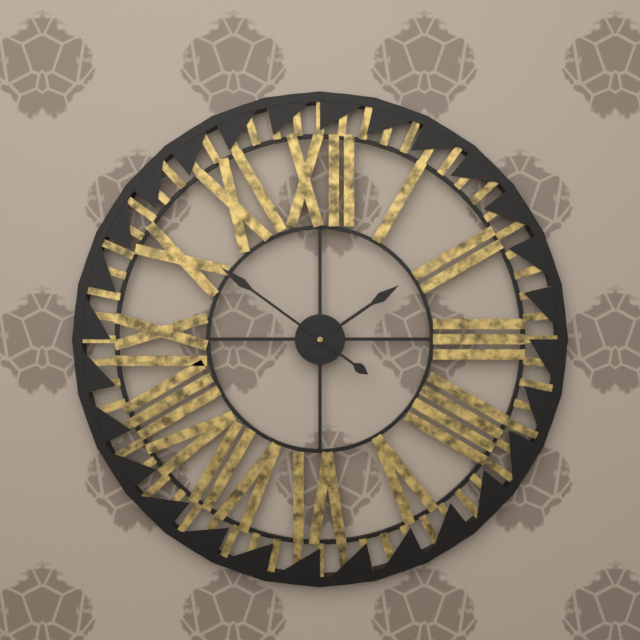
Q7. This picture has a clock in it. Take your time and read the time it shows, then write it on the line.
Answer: 1:51
